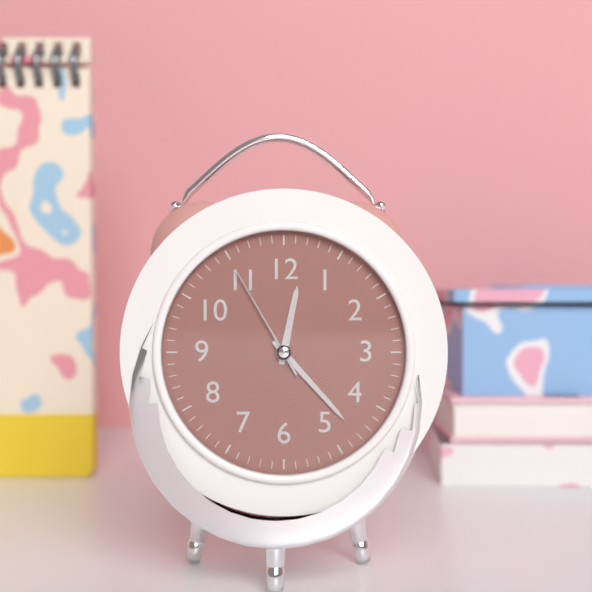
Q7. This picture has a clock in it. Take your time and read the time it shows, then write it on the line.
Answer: 12:23:55
